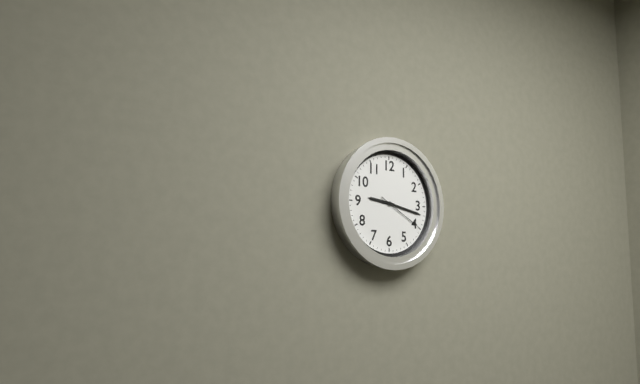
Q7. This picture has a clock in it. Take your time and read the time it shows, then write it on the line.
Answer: 9:17
